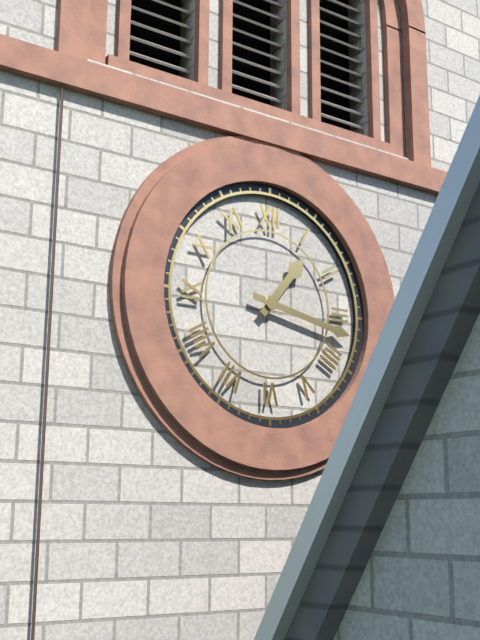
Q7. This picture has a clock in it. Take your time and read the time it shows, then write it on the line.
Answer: 1:17
